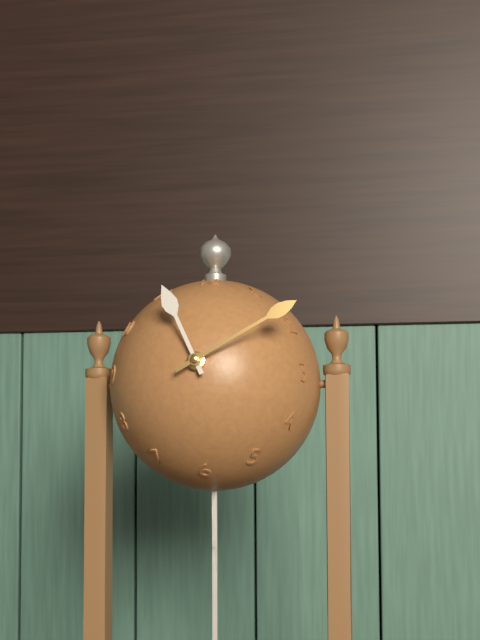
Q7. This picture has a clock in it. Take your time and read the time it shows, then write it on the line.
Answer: 11:10
